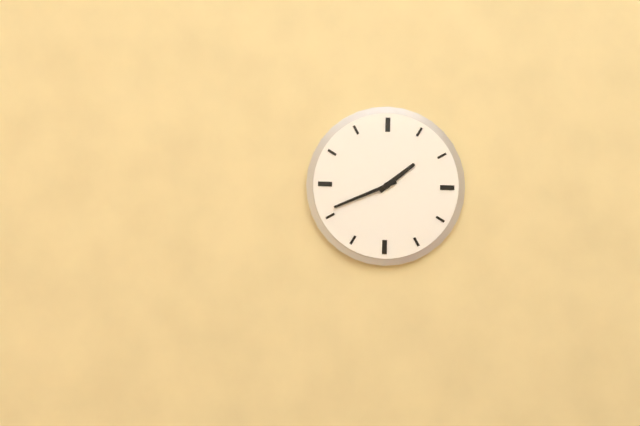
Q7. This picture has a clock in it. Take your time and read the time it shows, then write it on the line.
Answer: 1:41
